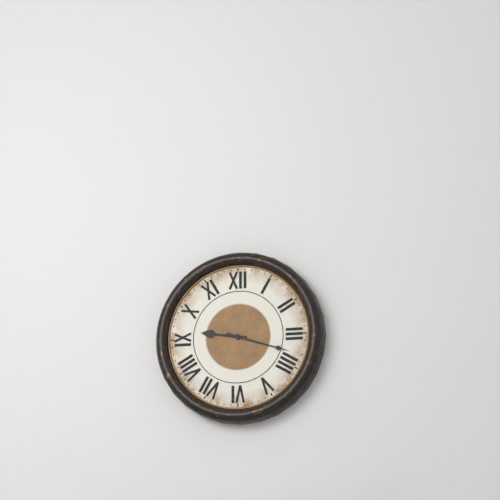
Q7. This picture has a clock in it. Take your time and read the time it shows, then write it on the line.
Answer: 9:18
